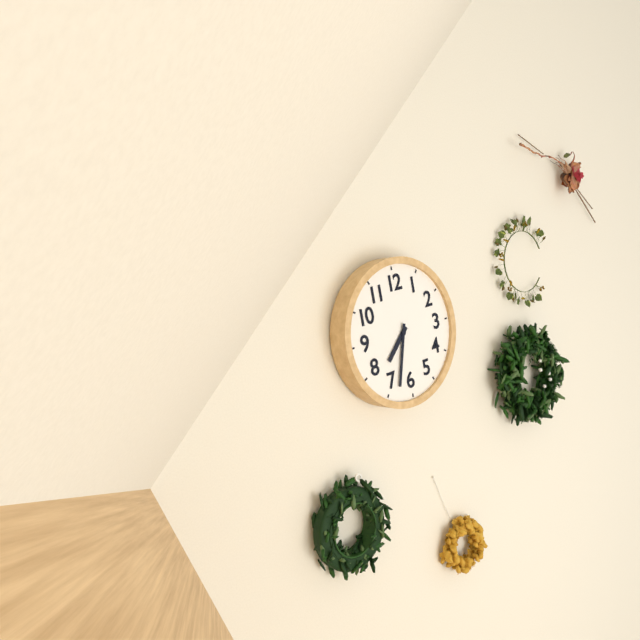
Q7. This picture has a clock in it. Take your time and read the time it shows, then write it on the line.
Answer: 7:33
